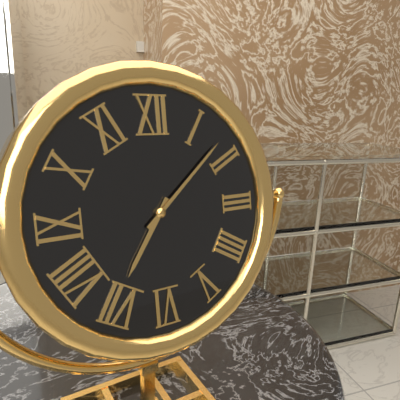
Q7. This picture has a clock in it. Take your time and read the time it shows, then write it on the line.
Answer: 7:08
